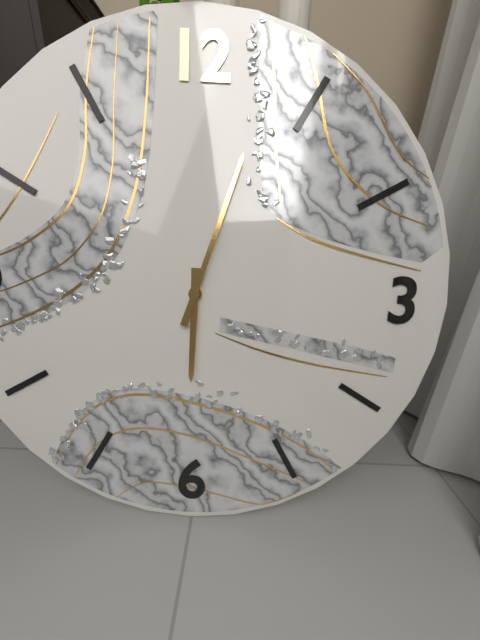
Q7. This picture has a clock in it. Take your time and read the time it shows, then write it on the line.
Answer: 6:03
